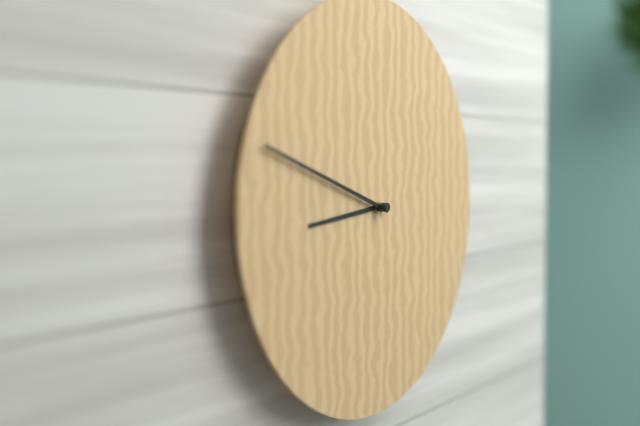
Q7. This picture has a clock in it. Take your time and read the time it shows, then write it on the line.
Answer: 8:48
